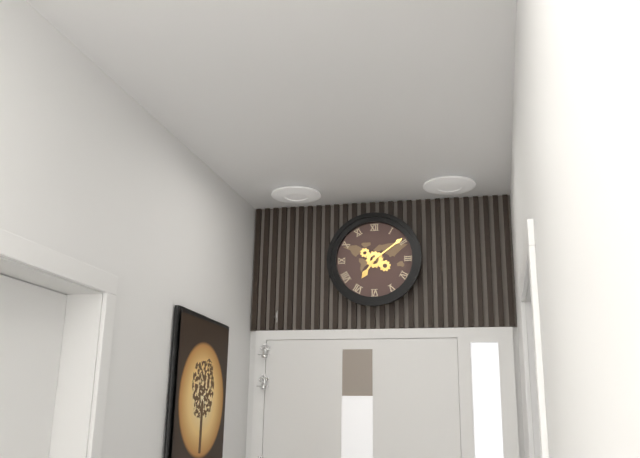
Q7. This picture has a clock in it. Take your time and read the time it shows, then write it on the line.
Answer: 7:09
